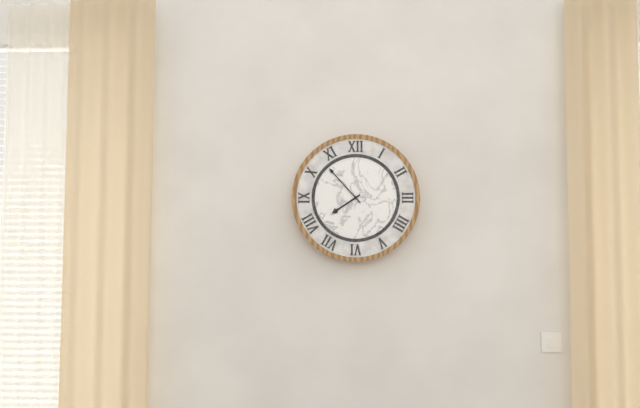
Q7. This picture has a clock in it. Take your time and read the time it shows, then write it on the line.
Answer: 7:53
